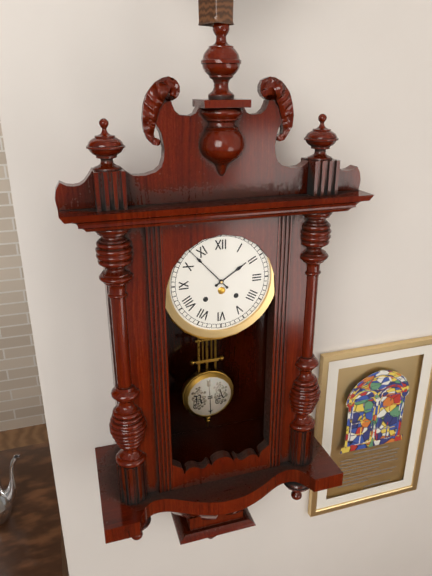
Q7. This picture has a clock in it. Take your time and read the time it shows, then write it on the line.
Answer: 1:53
